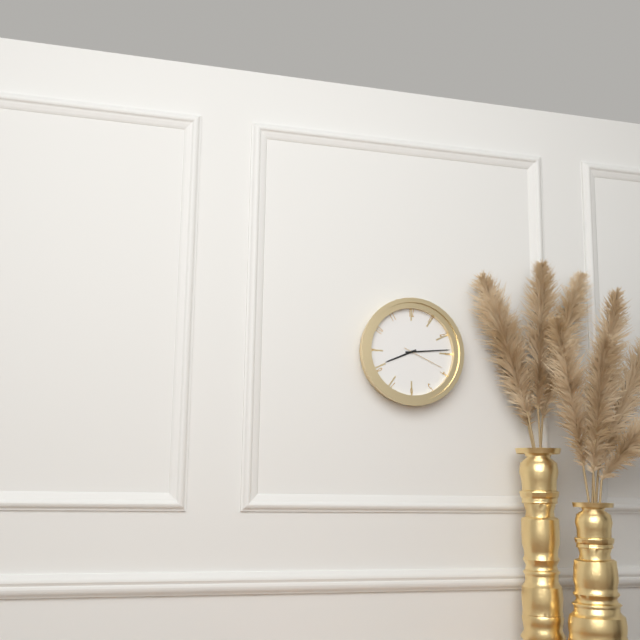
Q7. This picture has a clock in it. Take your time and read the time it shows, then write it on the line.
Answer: 8:14
